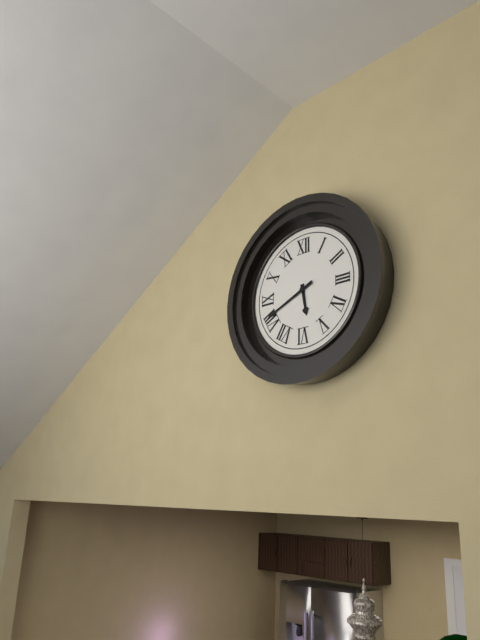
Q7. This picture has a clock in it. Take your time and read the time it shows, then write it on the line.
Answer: 5:41
